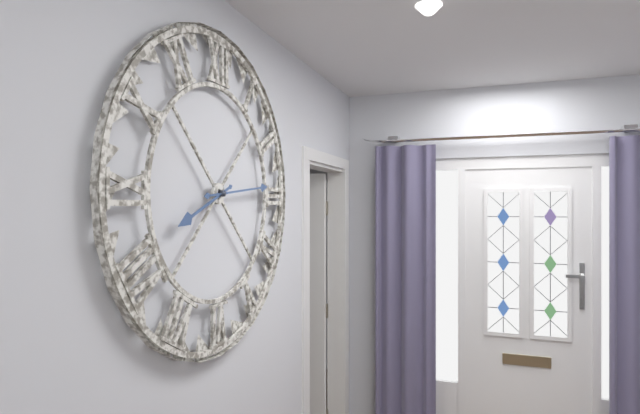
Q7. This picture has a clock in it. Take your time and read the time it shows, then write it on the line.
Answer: 8:14
